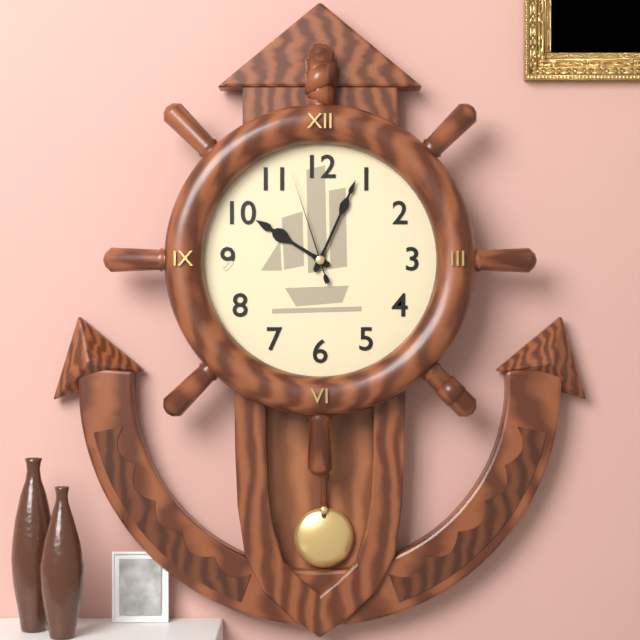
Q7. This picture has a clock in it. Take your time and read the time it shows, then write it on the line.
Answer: 10:04:57
